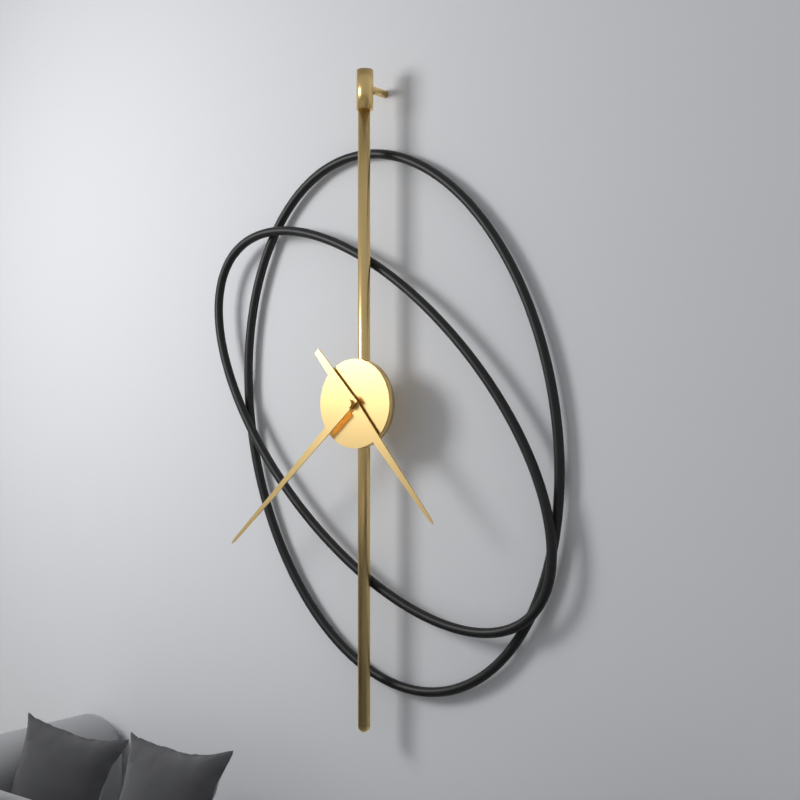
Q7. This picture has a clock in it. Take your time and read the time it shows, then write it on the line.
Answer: 4:38
